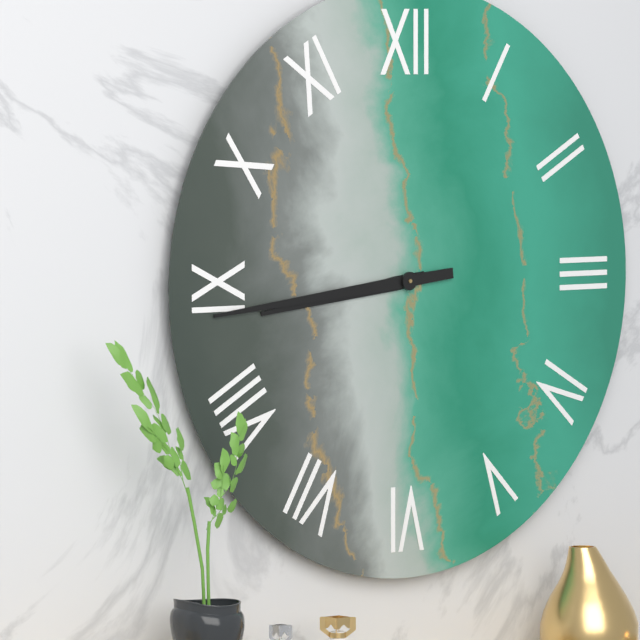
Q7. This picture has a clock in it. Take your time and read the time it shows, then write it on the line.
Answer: 8:44
